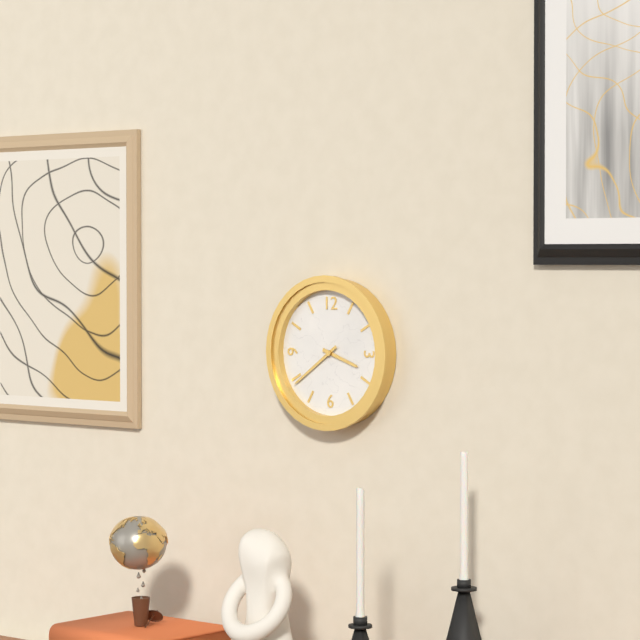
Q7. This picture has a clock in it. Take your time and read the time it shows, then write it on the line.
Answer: 3:39
